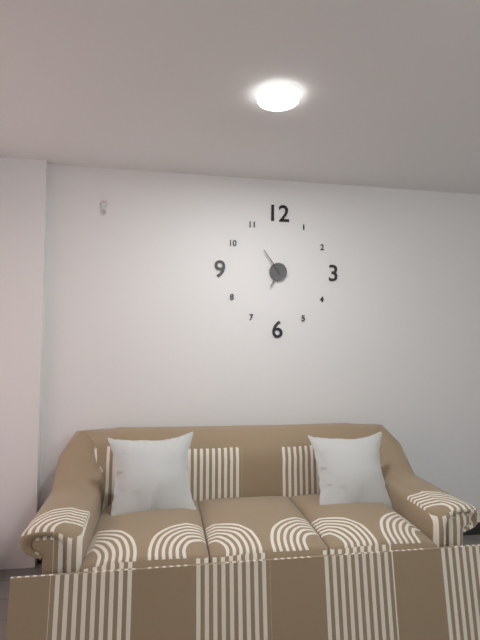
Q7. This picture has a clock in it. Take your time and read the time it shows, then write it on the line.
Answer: 6:54
